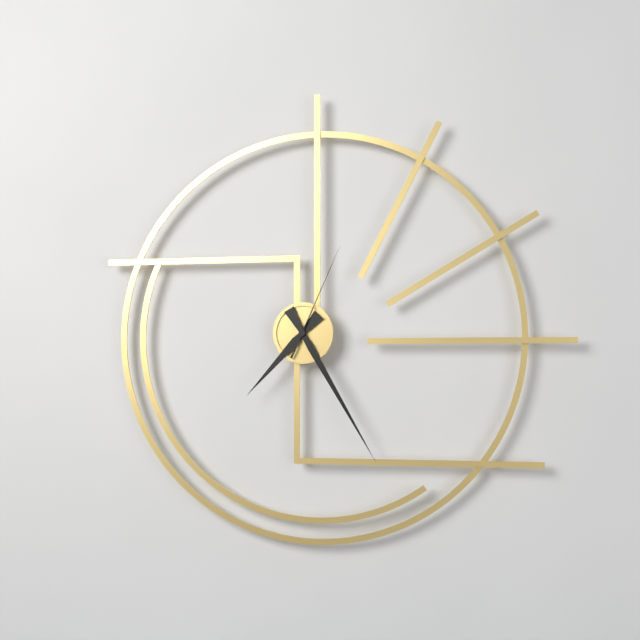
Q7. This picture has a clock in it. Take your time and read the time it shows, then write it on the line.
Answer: 7:25:04
